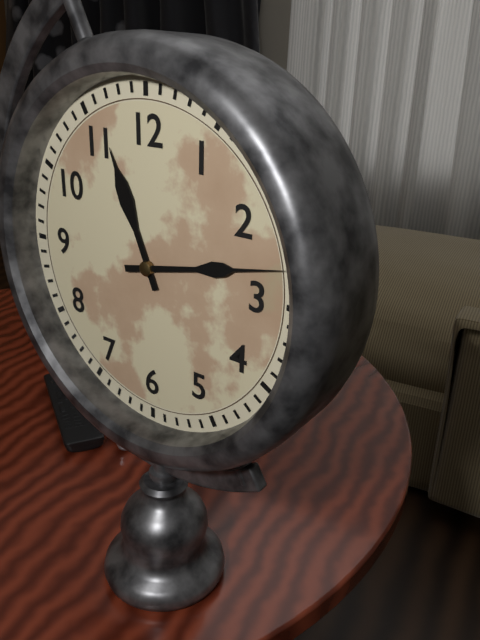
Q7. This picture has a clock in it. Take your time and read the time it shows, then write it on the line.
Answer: 11:13
